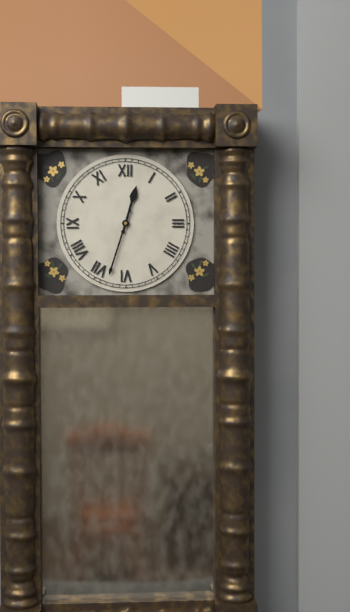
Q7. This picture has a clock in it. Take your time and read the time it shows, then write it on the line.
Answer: 12:33
